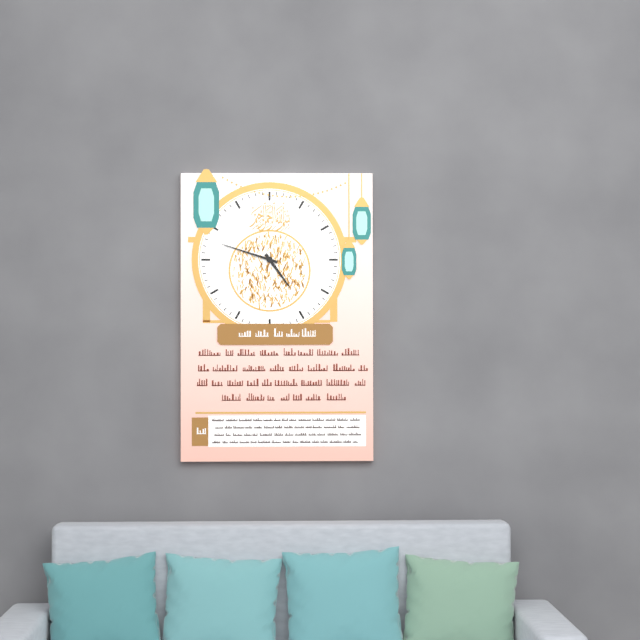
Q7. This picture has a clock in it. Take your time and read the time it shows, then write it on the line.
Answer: 4:48
